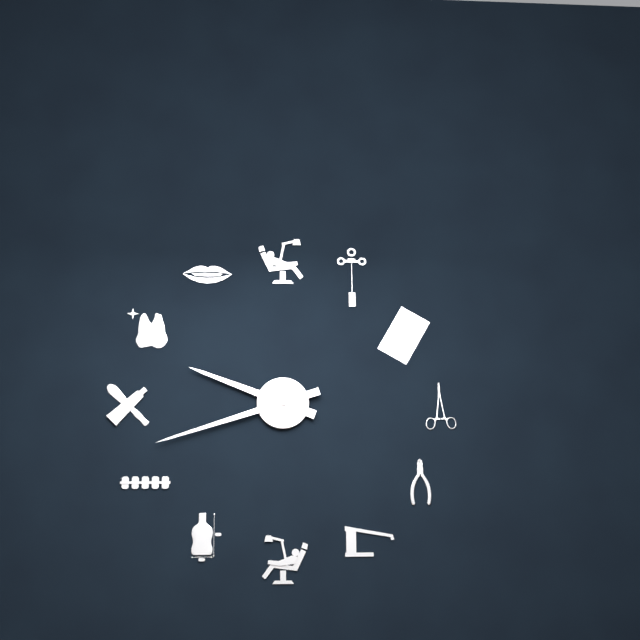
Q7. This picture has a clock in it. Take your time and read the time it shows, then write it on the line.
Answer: 9:42
